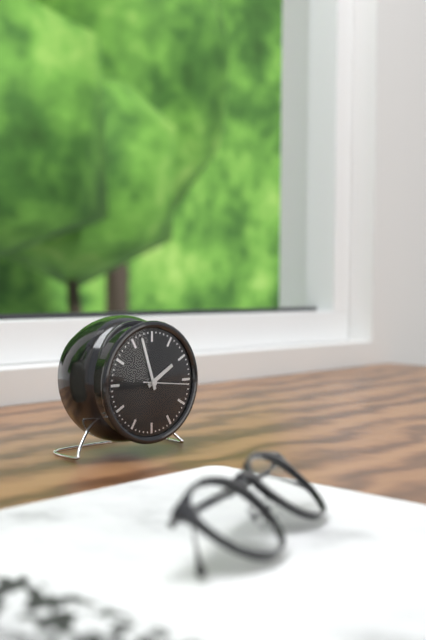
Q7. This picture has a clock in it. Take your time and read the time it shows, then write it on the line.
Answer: 1:57
